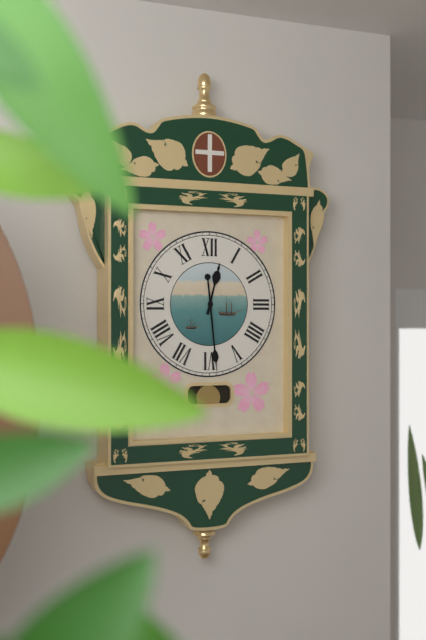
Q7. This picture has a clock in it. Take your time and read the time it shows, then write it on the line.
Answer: 12:29
